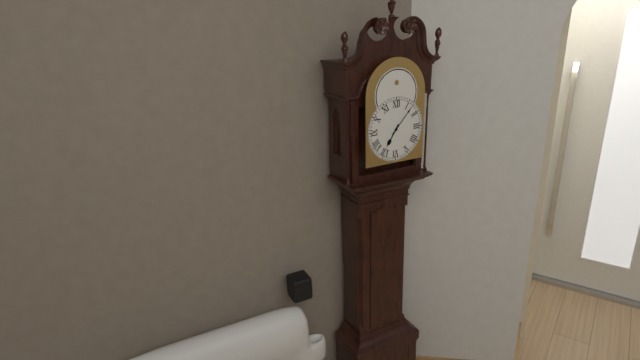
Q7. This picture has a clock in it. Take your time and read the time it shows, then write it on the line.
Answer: 7:07
